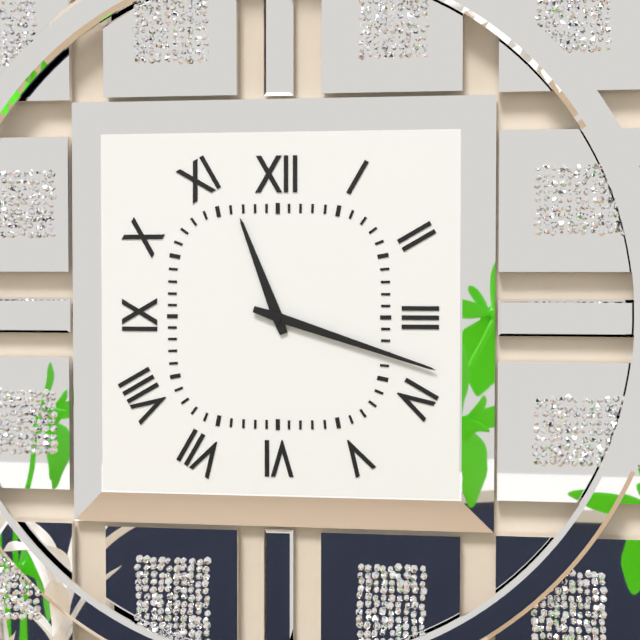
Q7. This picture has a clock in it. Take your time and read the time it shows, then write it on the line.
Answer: 11:18
